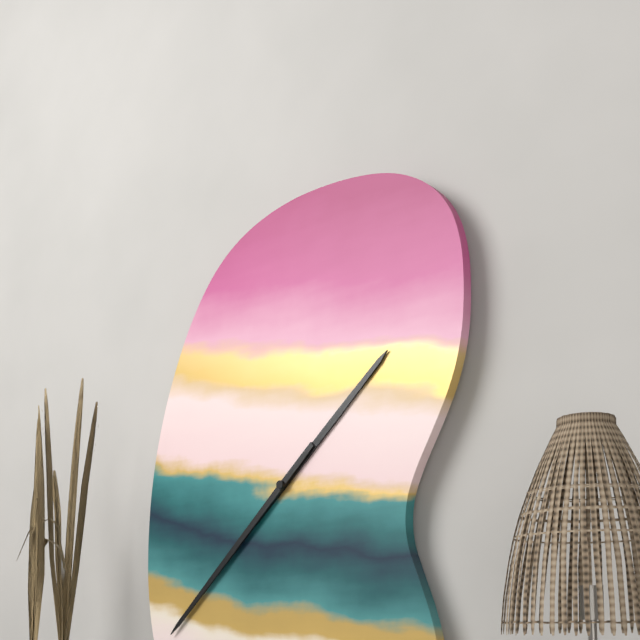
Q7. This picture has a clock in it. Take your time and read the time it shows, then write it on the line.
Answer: 1:38
